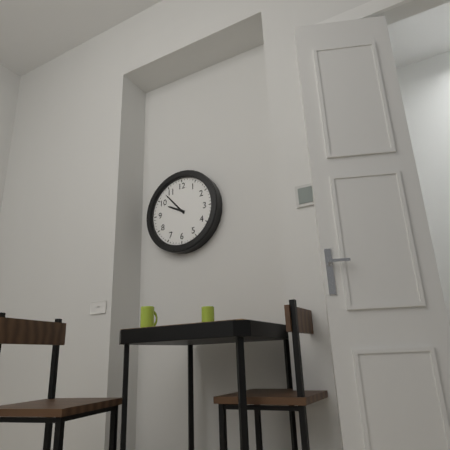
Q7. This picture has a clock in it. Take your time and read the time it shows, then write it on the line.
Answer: 9:53
